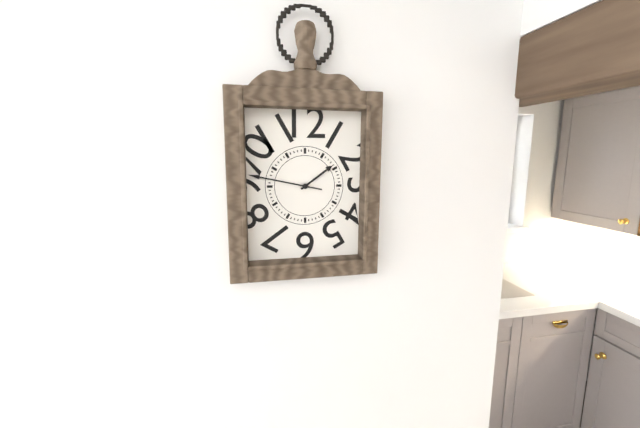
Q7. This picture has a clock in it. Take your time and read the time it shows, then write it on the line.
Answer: 1:47
